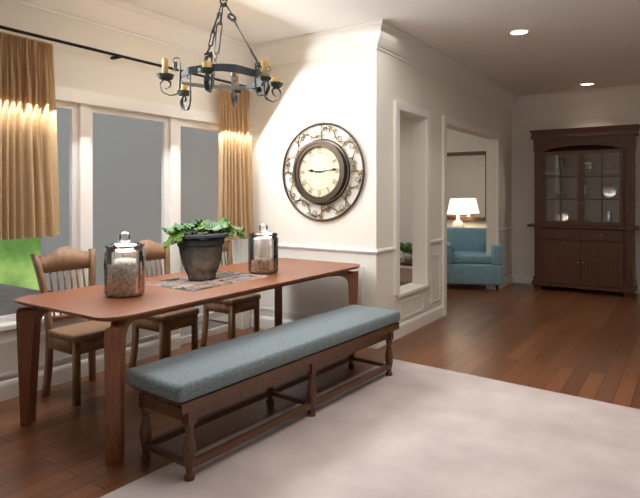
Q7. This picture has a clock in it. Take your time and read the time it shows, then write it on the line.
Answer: 9:14
